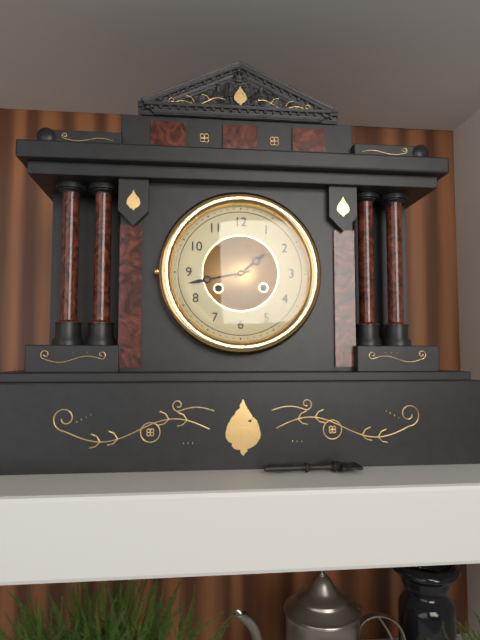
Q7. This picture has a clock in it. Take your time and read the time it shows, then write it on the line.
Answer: 1:43
